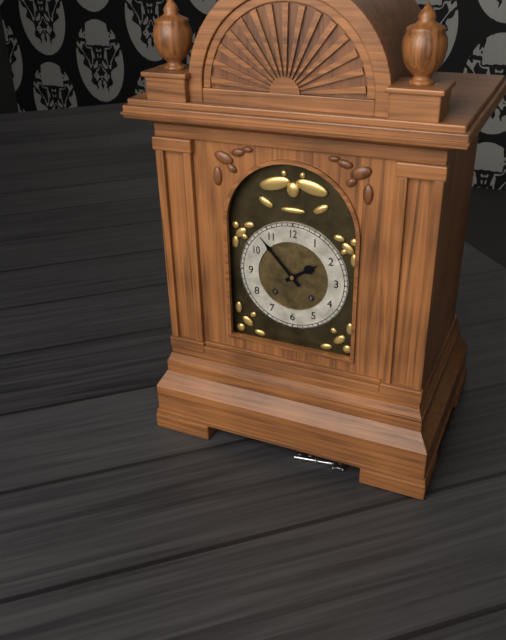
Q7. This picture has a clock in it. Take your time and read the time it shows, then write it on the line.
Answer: 1:53
